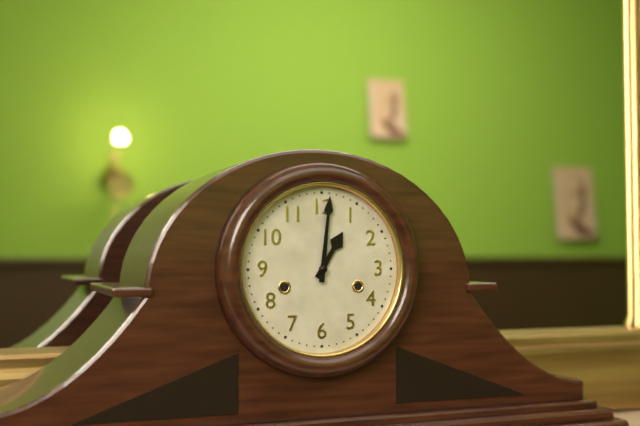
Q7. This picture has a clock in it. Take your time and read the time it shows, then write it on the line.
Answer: 1:01
